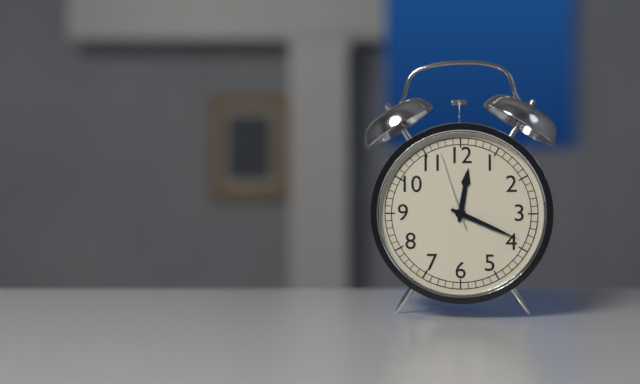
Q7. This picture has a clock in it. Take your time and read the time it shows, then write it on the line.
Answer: 12:19:57
